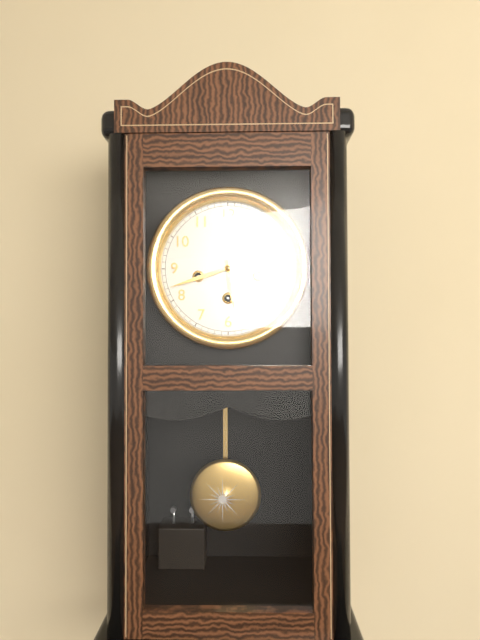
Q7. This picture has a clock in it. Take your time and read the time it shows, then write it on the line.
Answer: 5:42
